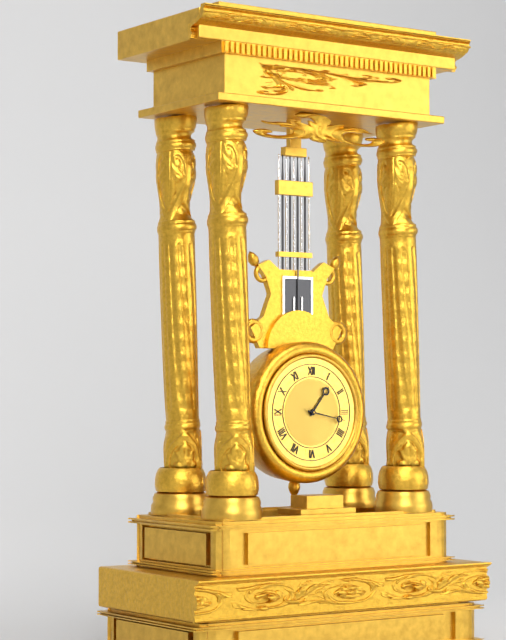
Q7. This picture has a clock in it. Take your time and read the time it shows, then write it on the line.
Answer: 1:17
